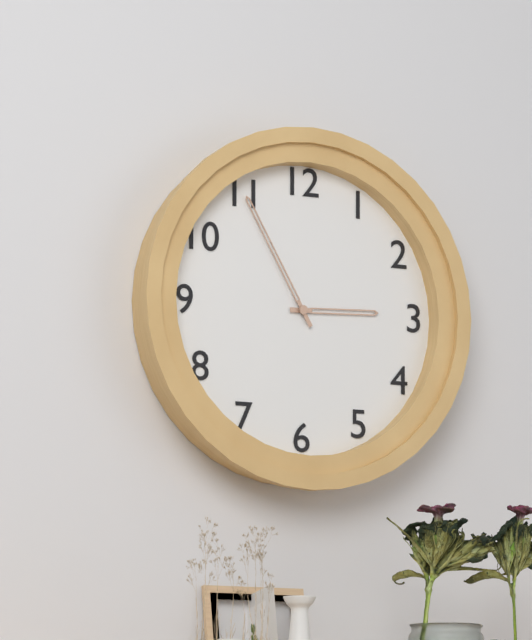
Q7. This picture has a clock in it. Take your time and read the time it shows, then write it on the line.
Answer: 2:55
